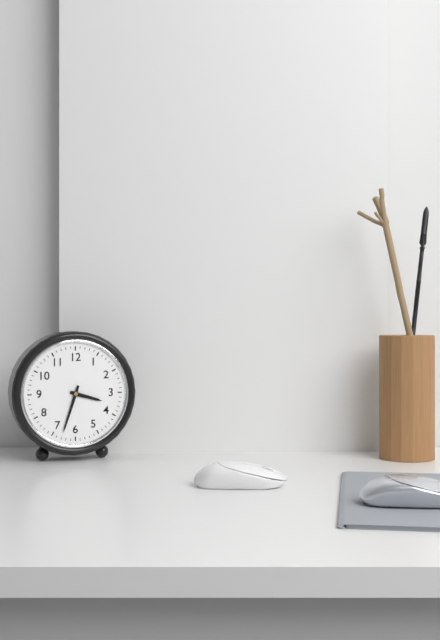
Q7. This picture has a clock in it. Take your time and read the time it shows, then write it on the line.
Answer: 3:33
